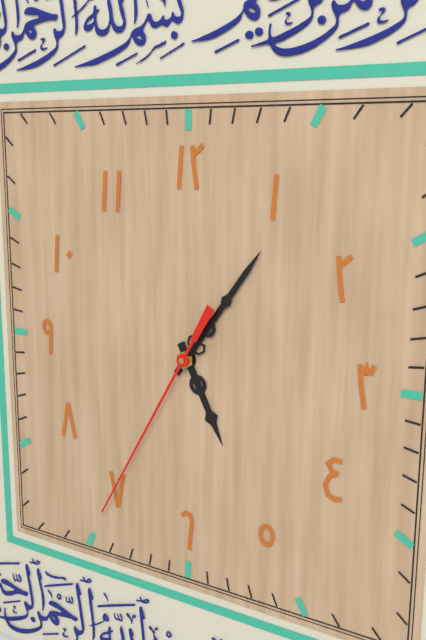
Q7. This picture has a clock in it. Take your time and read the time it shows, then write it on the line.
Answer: 5:06:35
